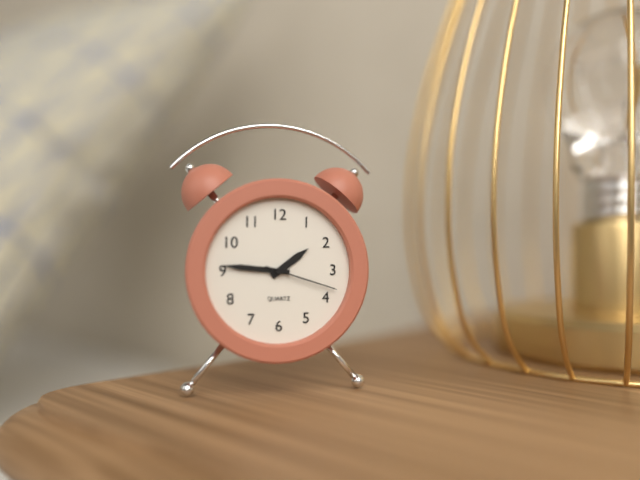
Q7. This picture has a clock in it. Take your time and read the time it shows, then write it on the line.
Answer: 1:46:18
